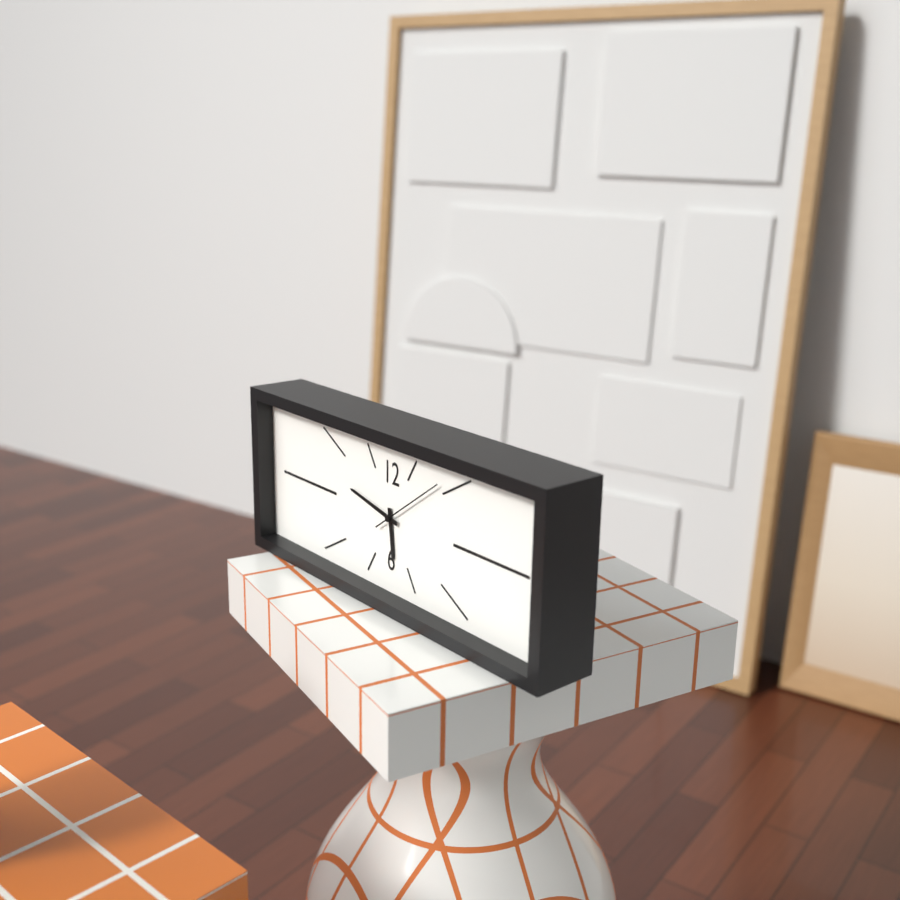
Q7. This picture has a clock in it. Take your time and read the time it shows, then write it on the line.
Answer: 5:47:09
